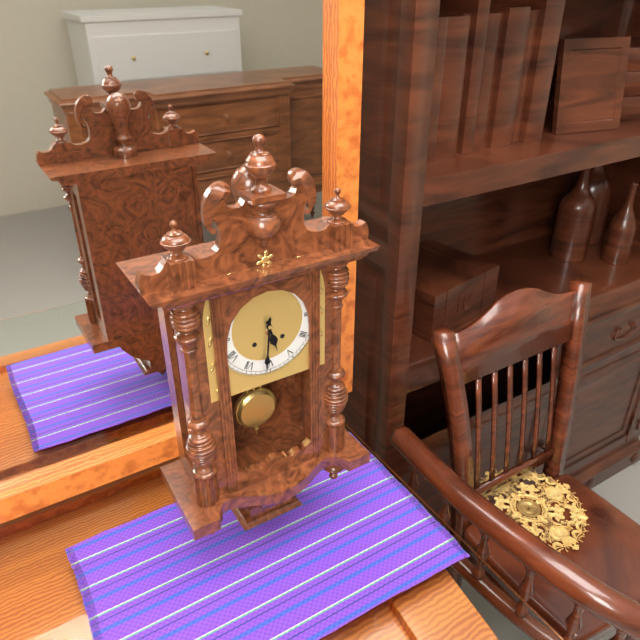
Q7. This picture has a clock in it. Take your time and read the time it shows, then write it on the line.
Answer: 5:31
